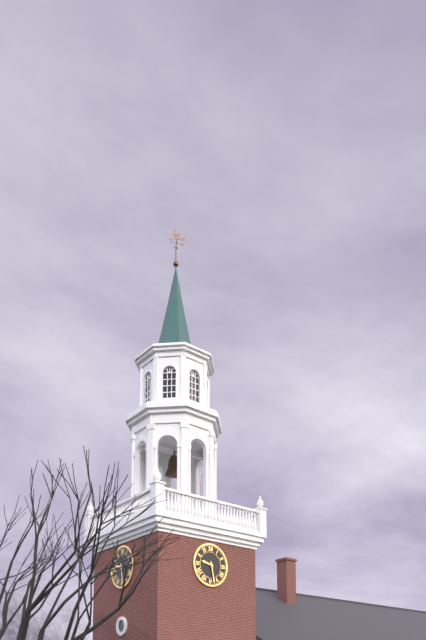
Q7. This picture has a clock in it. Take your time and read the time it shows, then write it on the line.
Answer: 9:28
